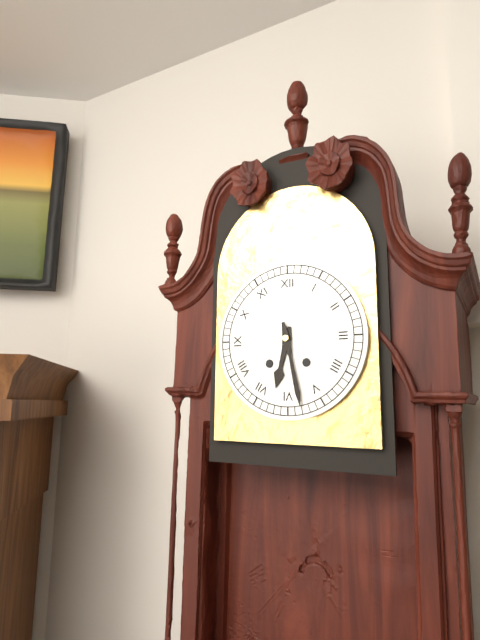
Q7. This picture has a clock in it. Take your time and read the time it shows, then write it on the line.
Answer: 6:28
